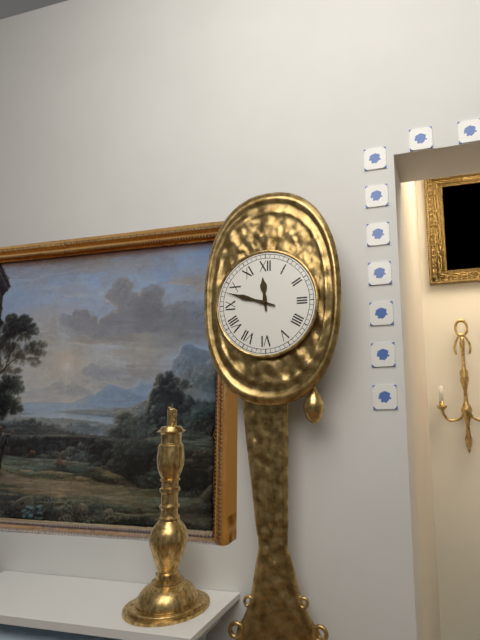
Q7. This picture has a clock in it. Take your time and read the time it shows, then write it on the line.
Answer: 11:48
